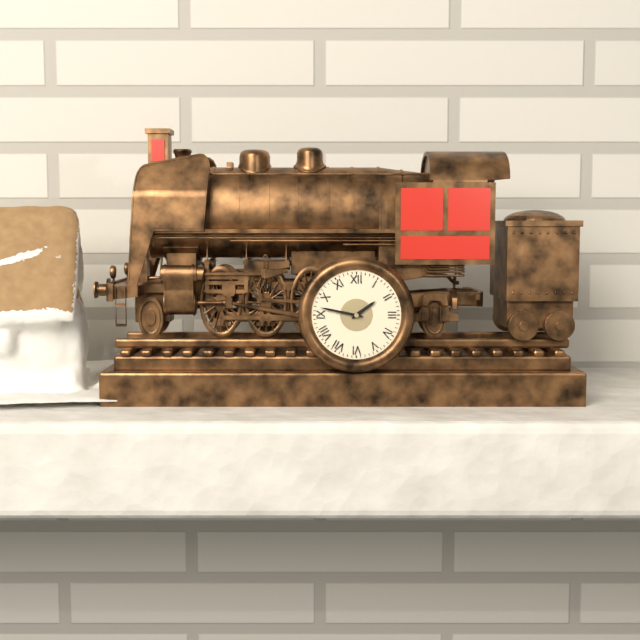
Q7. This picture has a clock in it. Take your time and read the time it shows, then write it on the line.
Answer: 1:47
